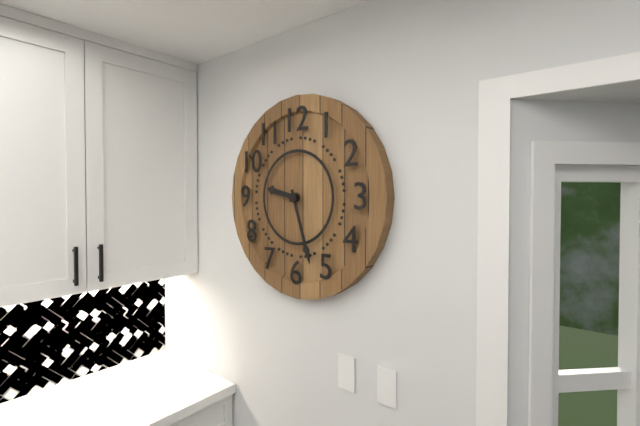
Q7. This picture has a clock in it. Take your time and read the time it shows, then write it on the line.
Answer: 9:27
